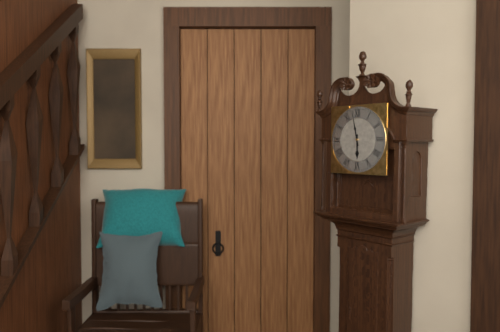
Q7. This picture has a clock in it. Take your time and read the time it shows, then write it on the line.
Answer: 5:58
